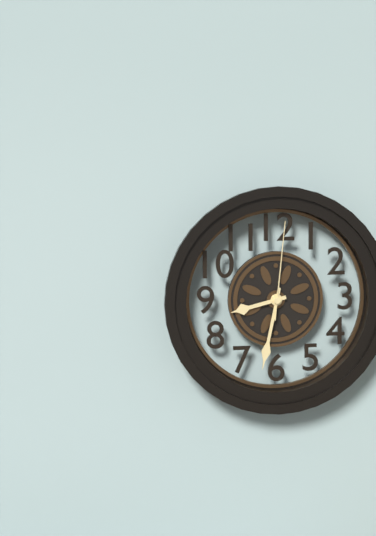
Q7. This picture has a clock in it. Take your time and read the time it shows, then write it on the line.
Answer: 8:32:01
